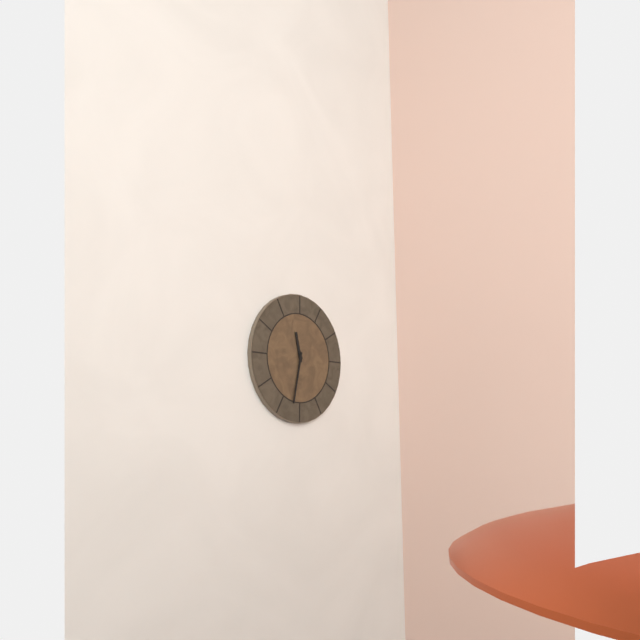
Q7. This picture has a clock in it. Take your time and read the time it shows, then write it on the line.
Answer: 11:32
